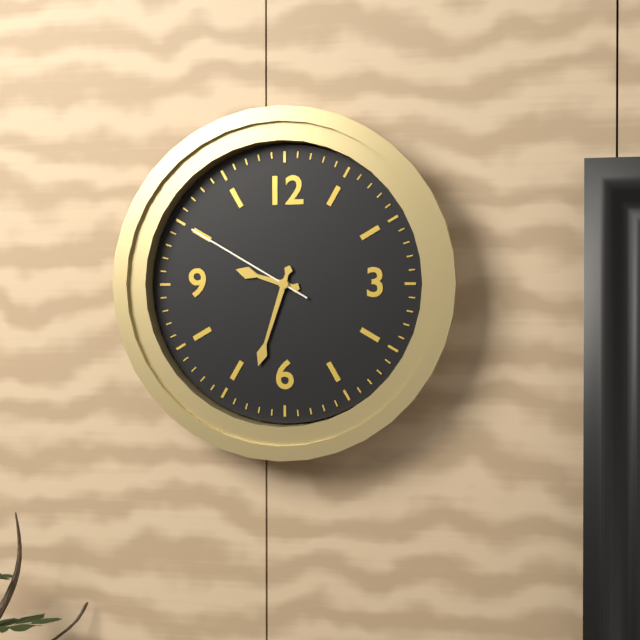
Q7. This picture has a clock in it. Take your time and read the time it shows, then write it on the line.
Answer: 9:33:50
